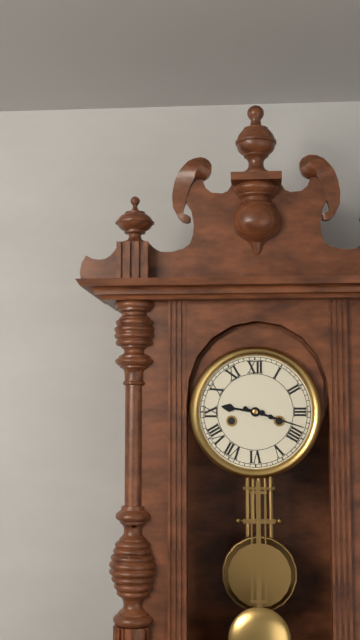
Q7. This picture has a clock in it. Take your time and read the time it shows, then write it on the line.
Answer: 9:18
